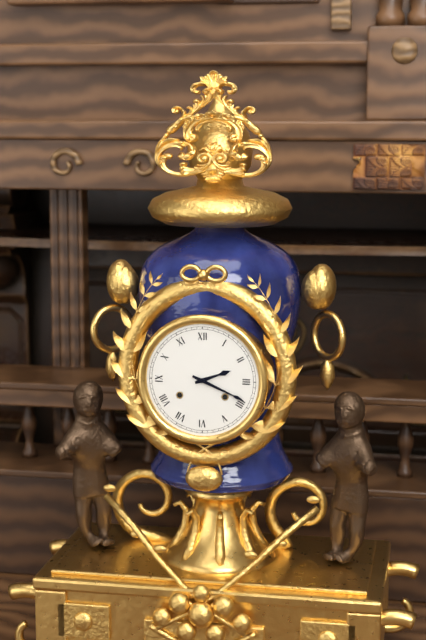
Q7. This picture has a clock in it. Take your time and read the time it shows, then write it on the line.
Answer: 2:19
